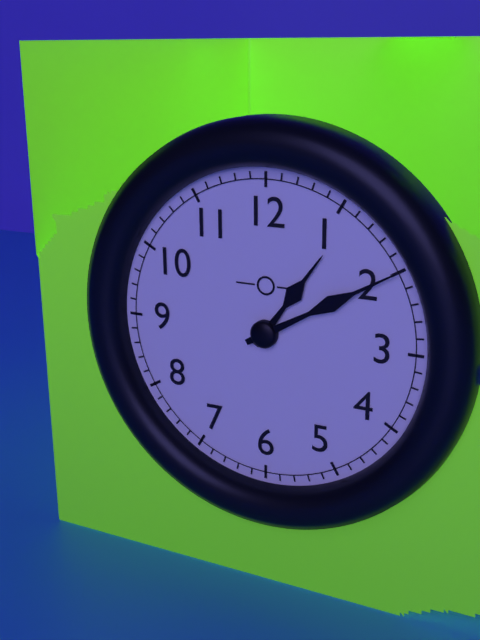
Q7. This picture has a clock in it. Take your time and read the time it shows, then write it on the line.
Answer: 1:10
